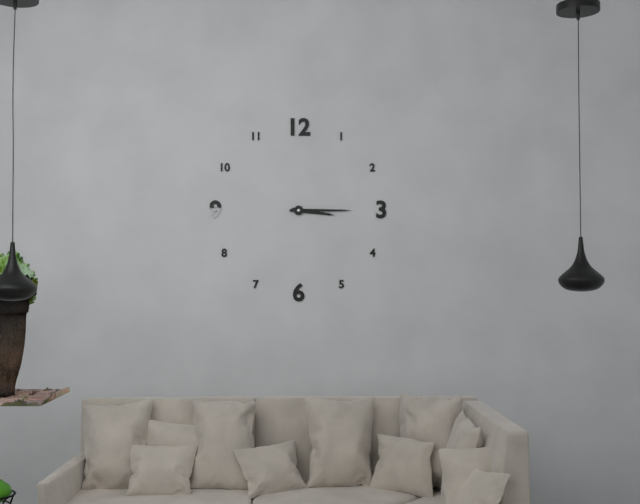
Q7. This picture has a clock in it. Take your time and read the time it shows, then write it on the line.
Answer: 3:15
